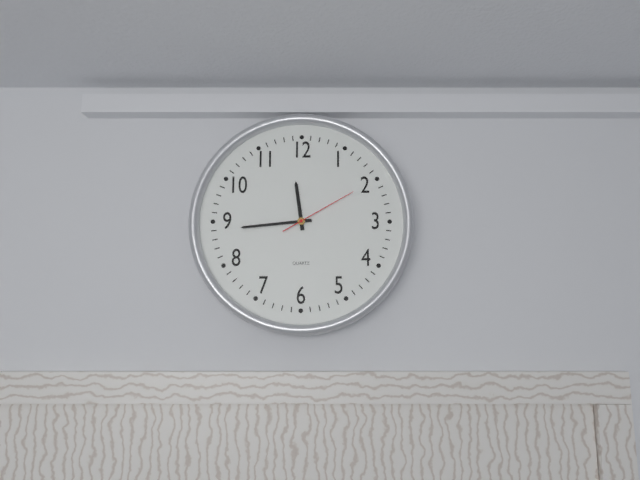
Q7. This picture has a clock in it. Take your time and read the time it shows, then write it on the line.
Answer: 11:44:10
